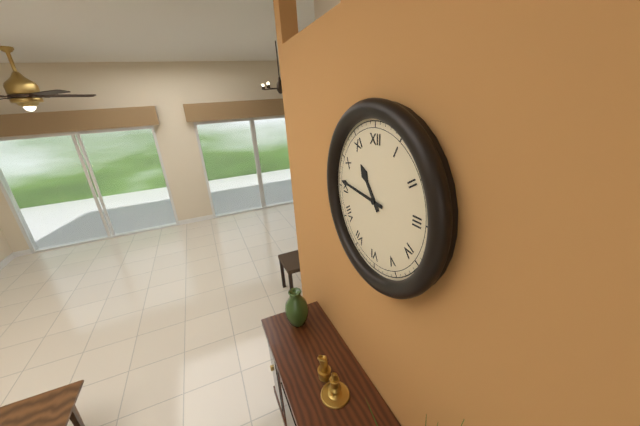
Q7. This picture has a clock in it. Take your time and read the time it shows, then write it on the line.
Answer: 10:46
